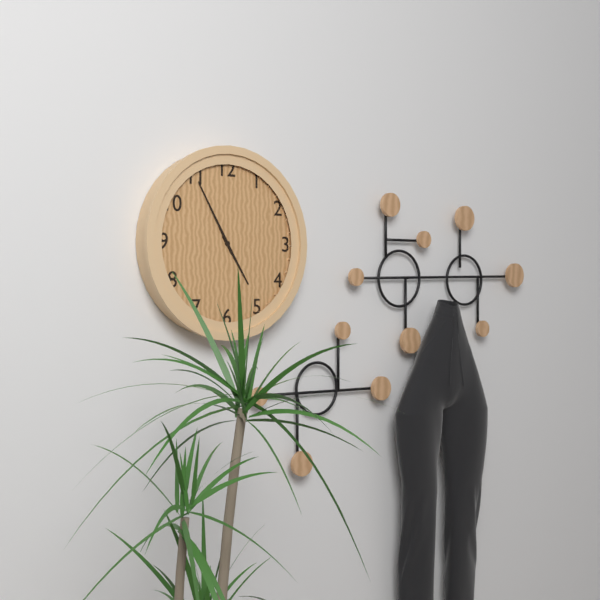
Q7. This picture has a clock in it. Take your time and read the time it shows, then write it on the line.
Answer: 4:55
